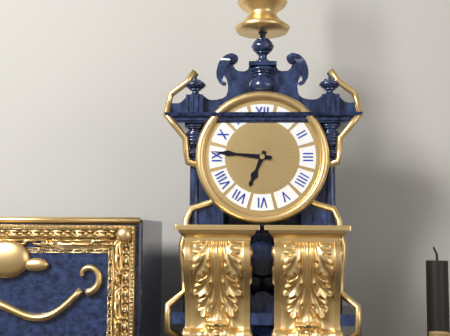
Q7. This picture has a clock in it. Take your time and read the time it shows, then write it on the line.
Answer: 6:46
